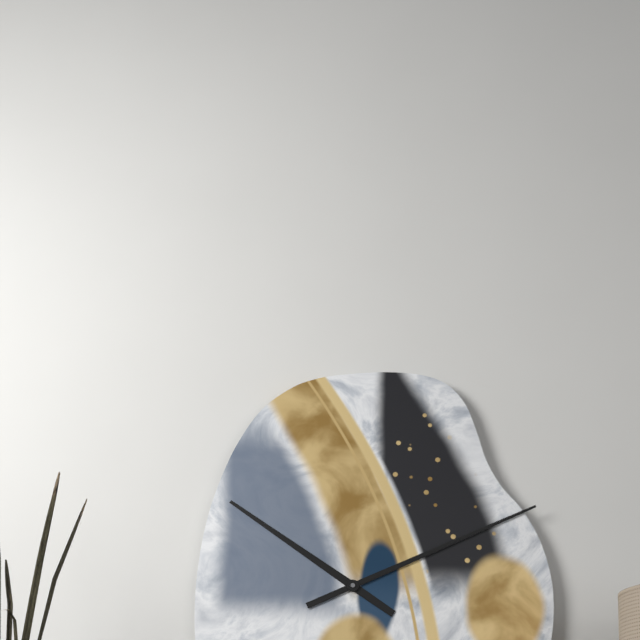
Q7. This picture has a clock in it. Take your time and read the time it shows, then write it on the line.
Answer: 10:11
